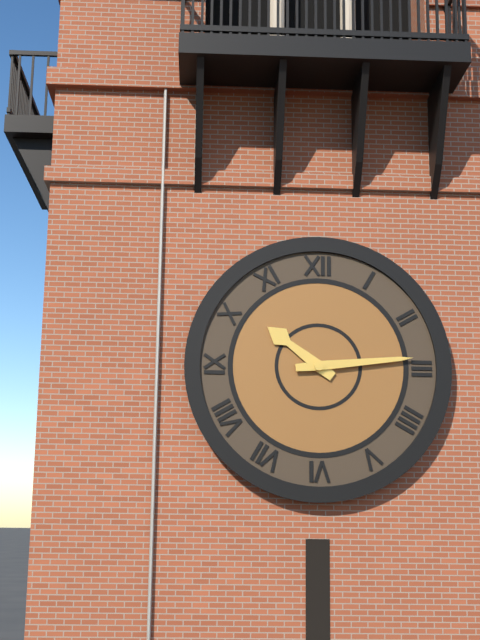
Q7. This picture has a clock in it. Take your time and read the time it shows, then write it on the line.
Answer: 10:14
